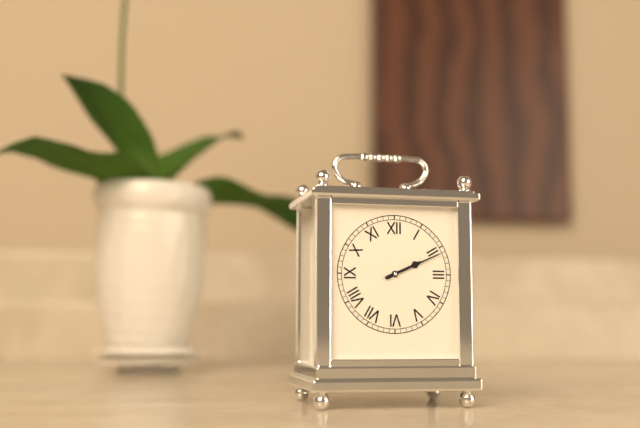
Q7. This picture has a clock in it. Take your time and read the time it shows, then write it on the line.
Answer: 2:11
